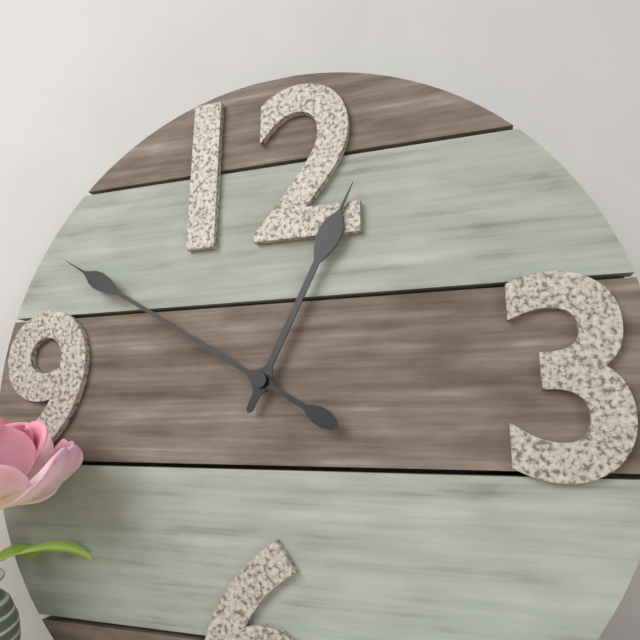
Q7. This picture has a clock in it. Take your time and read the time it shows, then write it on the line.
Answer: 12:50
